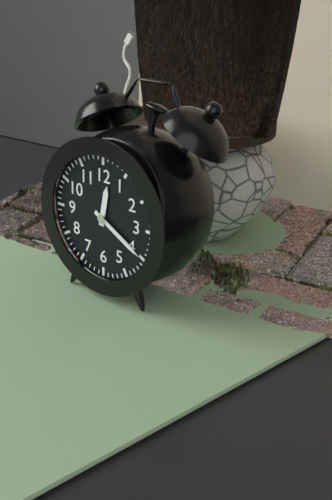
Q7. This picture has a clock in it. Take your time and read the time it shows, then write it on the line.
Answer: 12:20
